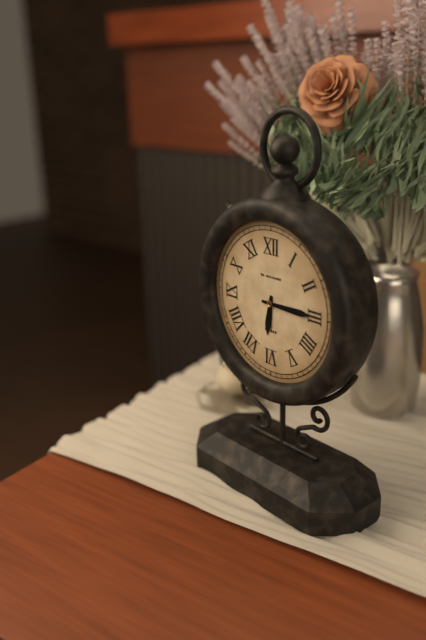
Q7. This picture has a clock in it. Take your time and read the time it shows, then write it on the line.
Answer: 6:15
